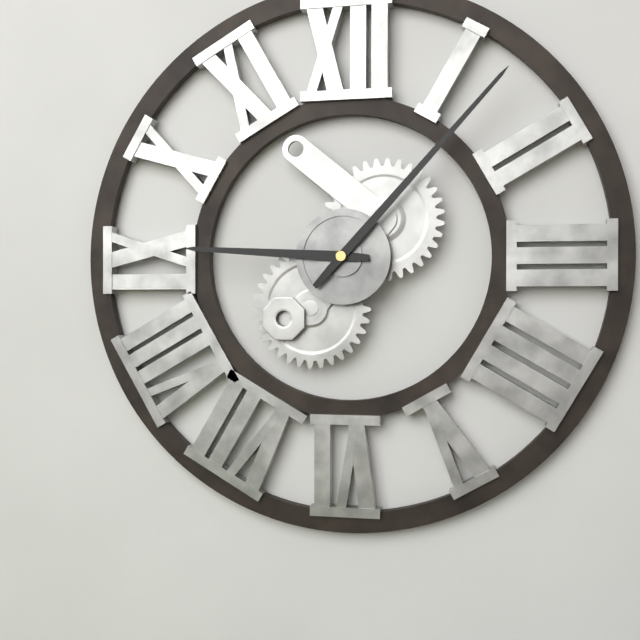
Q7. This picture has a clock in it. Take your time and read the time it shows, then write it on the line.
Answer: 9:07
